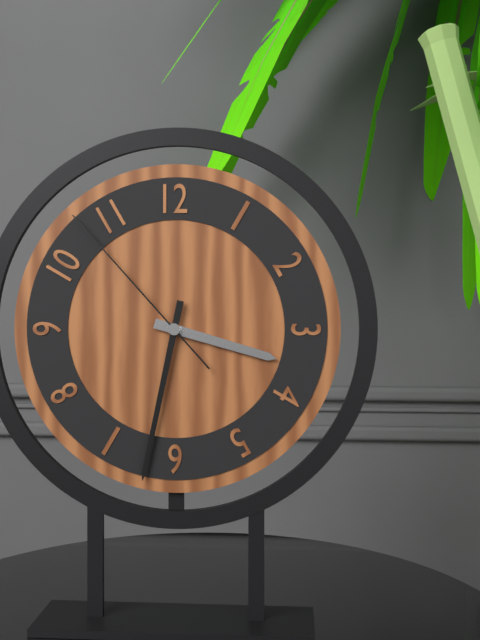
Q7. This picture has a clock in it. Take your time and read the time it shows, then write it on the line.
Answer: 3:32:53
